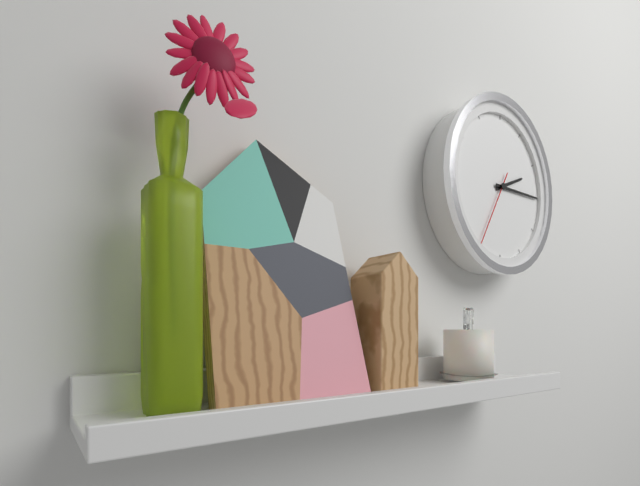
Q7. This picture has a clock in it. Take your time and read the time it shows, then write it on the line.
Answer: 2:15:35
